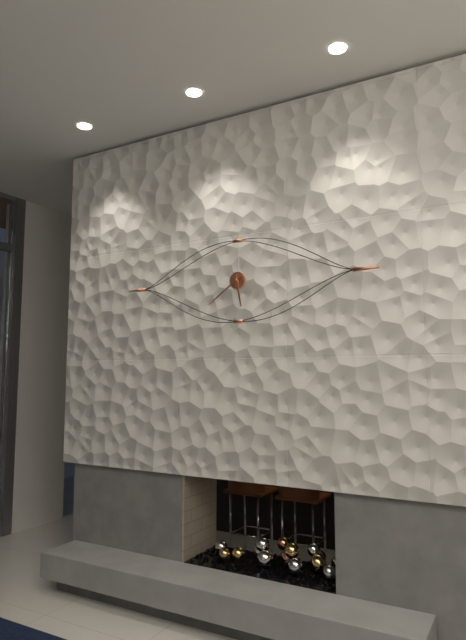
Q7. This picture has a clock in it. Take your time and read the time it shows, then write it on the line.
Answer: 5:39
